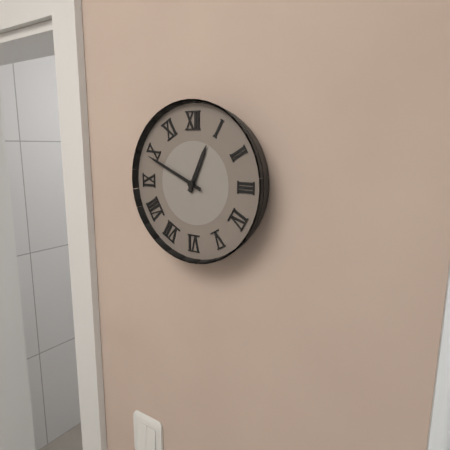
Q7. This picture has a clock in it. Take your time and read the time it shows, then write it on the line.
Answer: 12:49
